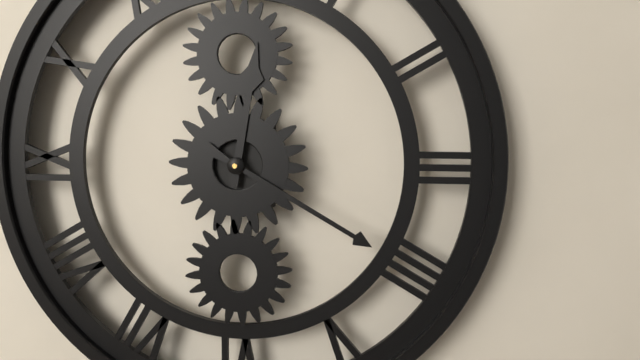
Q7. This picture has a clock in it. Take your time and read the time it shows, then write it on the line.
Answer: 12:20
